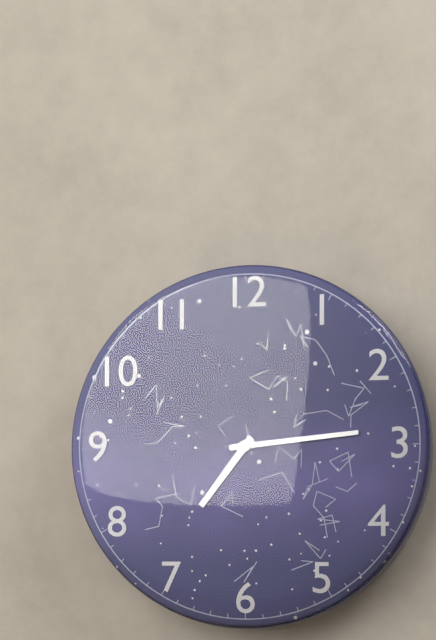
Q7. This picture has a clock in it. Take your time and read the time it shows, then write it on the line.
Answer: 7:14
